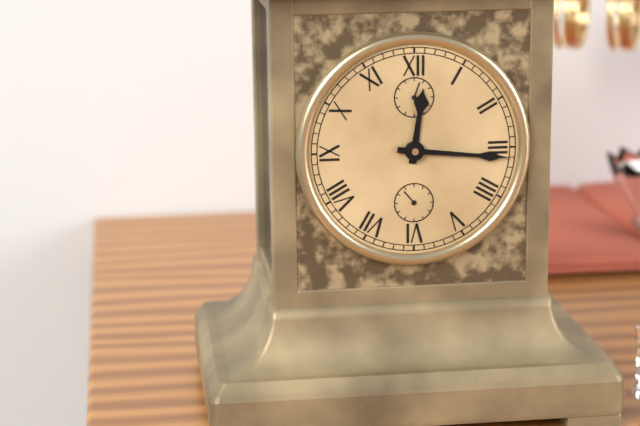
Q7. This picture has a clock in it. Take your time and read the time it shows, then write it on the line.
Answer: 12:16
